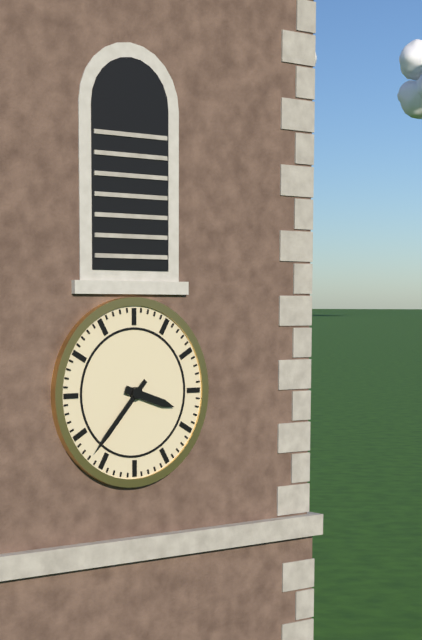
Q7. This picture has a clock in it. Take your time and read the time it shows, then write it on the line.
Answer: 3:37
